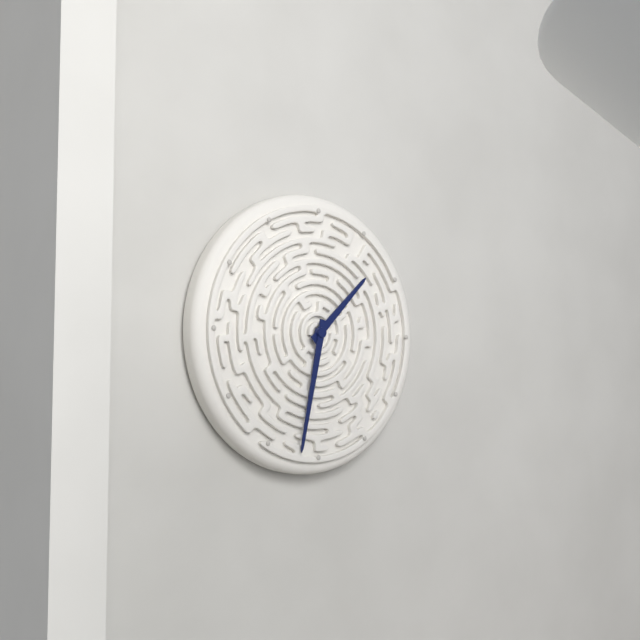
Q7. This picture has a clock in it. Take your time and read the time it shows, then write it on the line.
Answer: 1:32
